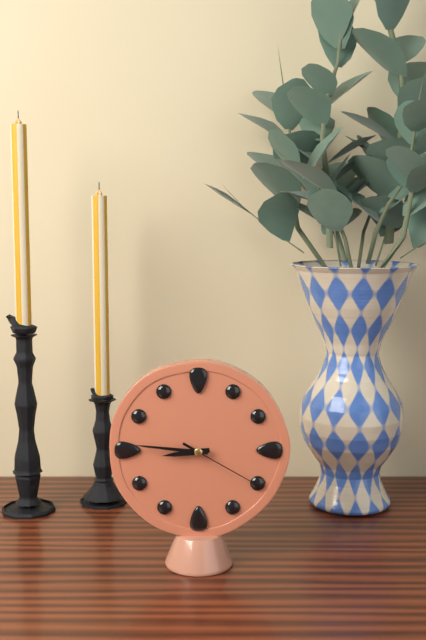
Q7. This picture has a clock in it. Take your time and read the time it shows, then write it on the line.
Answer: 8:46:20
